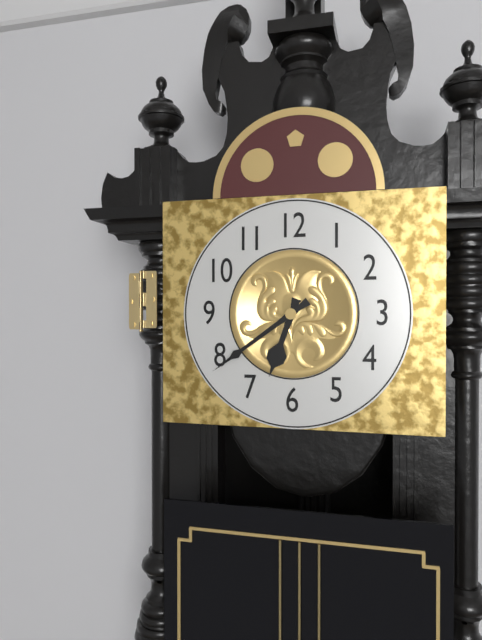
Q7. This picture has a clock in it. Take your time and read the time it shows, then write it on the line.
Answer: 6:39
